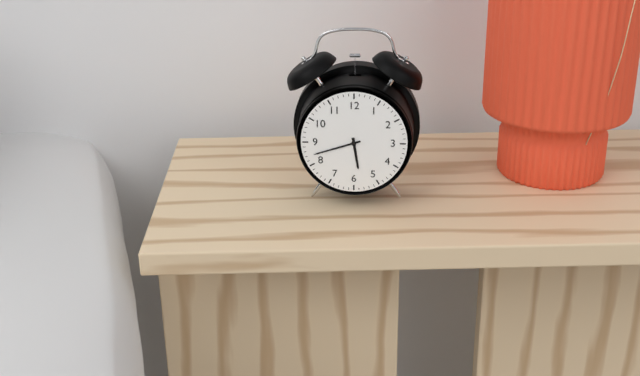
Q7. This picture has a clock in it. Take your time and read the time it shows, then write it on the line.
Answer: 5:42
